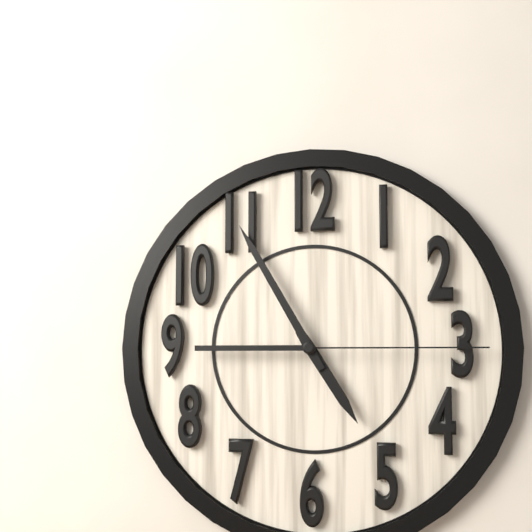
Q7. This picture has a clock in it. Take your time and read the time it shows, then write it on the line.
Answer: 4:55:15
